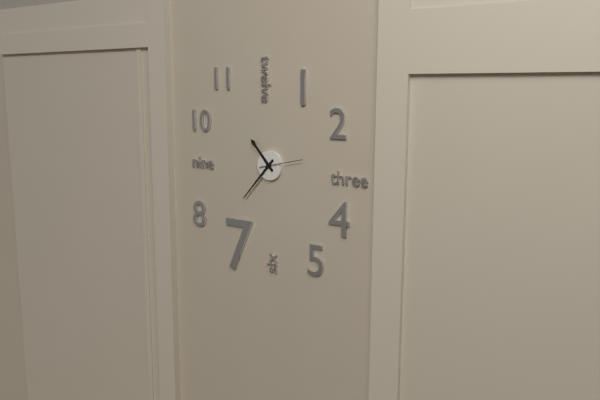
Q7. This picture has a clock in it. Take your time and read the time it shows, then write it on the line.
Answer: 10:37
